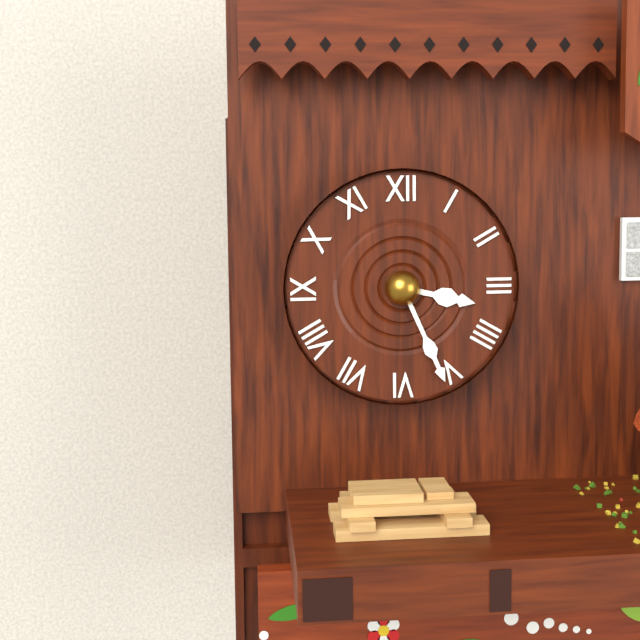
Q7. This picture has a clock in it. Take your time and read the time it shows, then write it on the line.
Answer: 3:26
